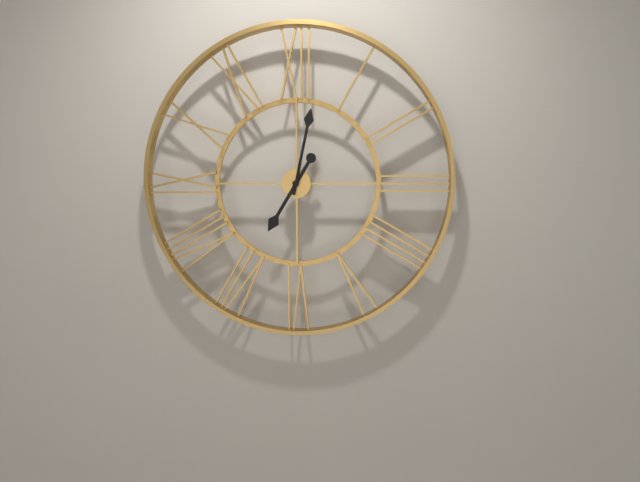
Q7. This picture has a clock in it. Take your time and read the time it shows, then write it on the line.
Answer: 7:02
